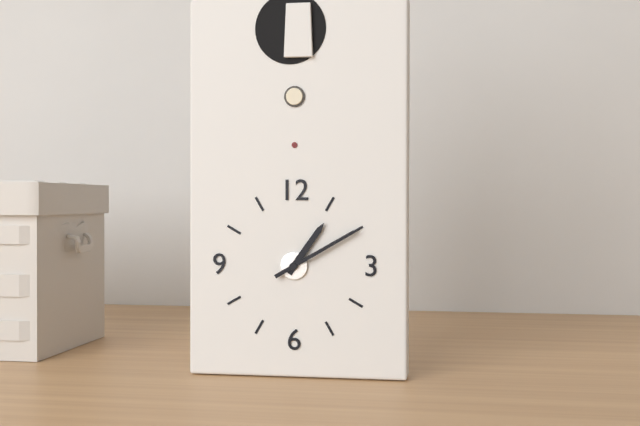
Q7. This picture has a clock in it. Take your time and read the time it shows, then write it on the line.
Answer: 1:10
